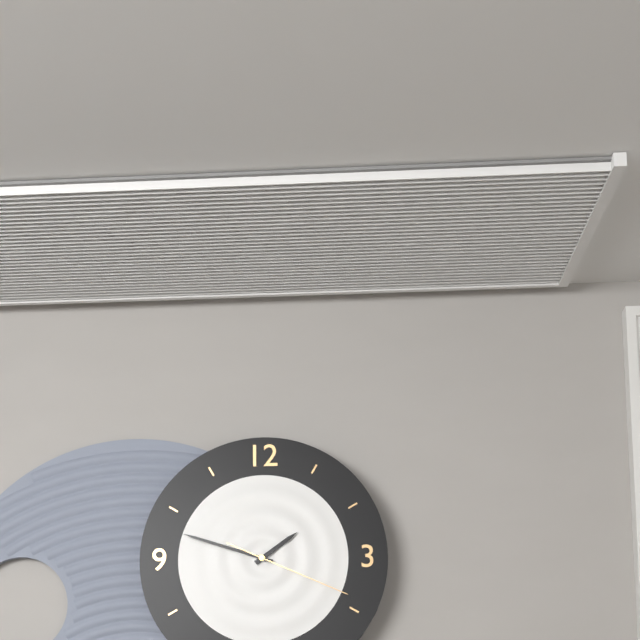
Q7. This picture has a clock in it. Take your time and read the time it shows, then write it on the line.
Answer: 1:48:19
